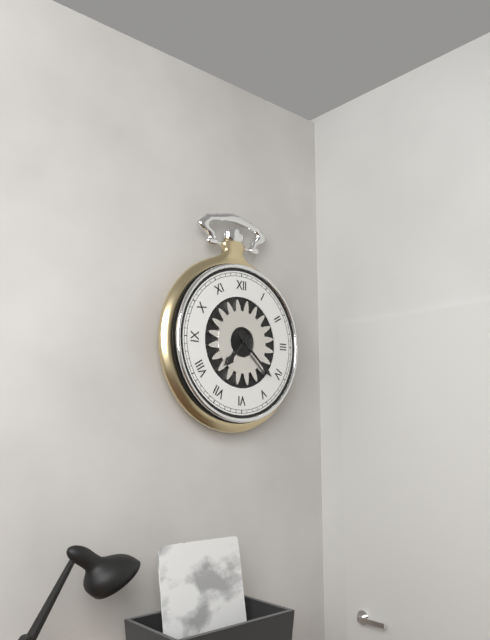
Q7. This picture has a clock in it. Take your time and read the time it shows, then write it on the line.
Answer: 7:22
